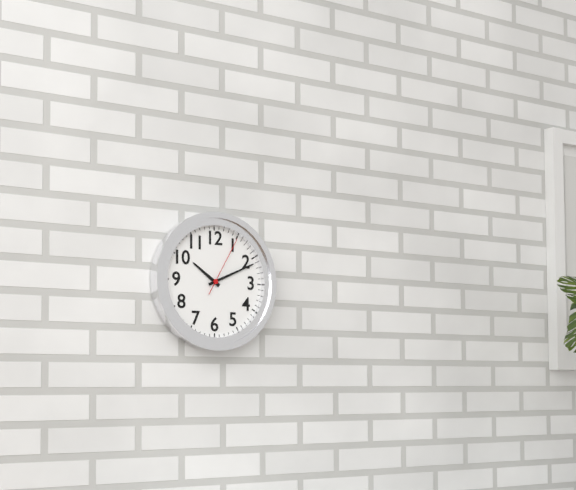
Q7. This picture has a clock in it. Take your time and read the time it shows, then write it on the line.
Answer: 10:11:05
